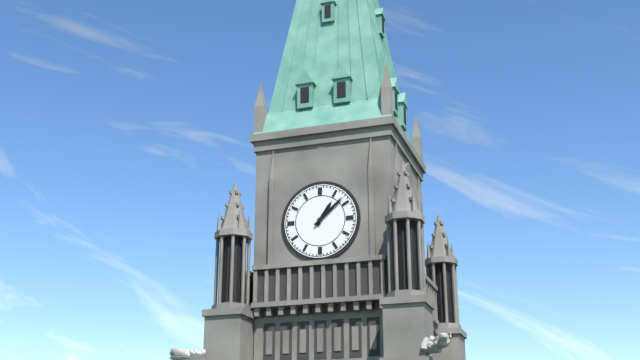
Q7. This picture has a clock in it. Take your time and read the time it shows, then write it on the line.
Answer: 1:08
